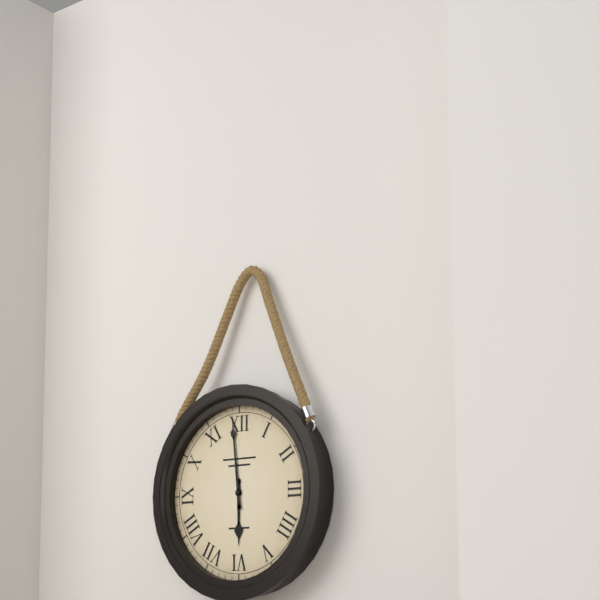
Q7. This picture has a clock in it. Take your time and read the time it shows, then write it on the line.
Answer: 5:59
